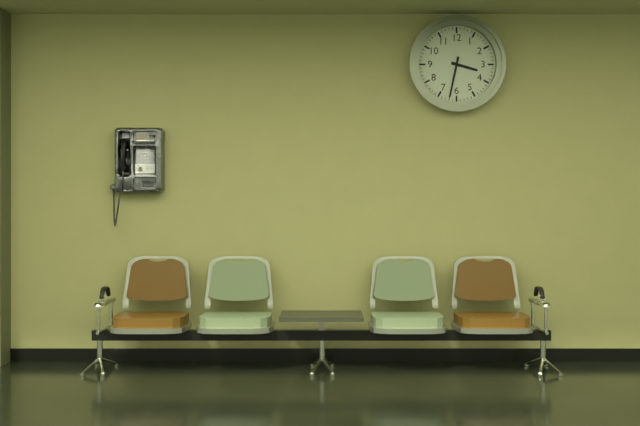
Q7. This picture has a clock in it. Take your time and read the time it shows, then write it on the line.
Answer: 3:32
